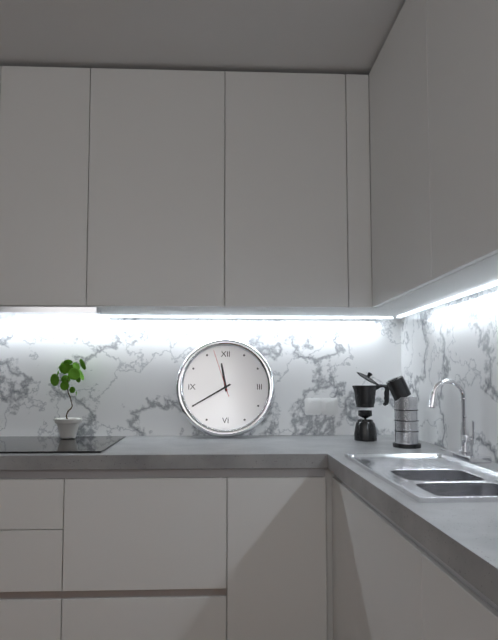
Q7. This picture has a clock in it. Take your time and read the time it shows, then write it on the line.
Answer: 11:40
